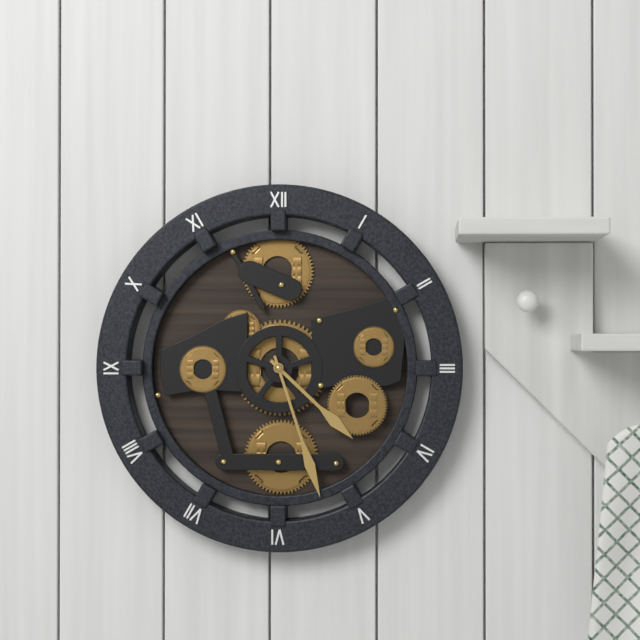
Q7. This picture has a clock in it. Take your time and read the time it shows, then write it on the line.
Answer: 4:27
